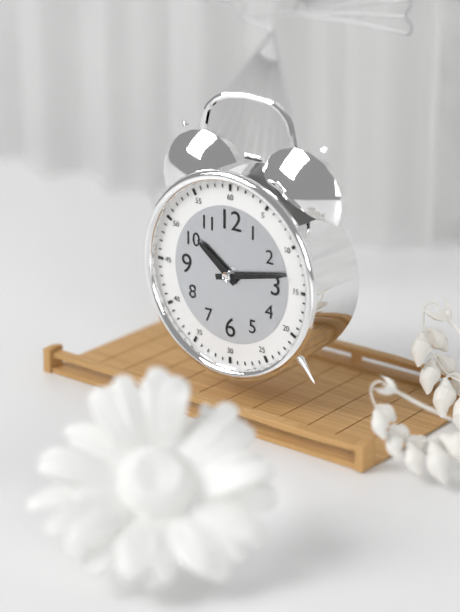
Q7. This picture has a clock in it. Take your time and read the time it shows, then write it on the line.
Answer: 10:13
